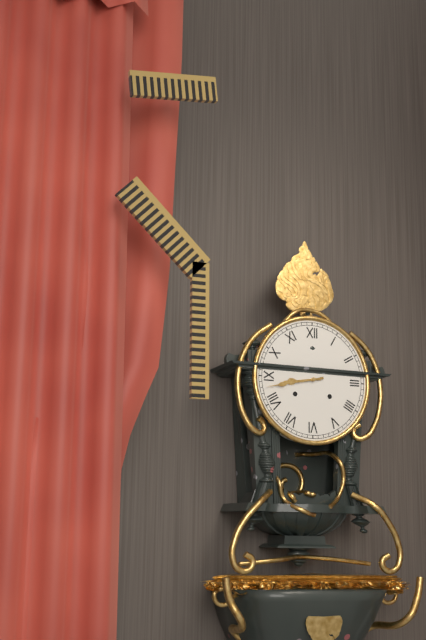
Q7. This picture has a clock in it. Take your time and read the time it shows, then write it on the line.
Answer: 8:43
